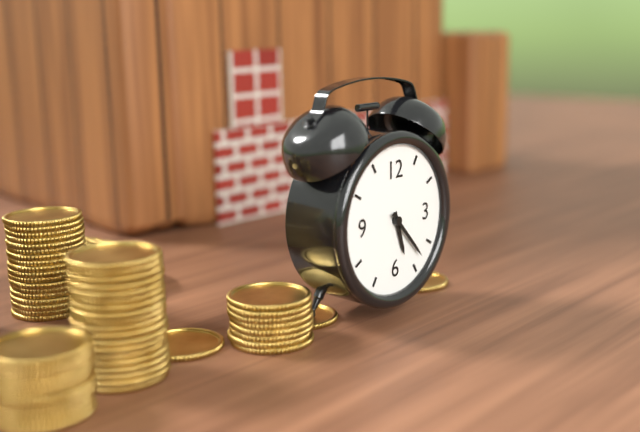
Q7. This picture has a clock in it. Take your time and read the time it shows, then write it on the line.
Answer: 5:23
